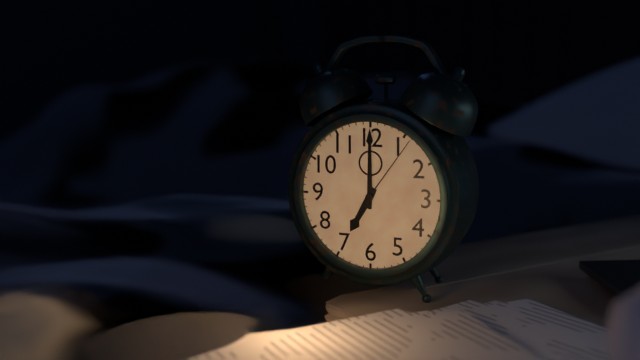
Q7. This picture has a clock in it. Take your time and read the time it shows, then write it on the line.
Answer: 7:00:06
